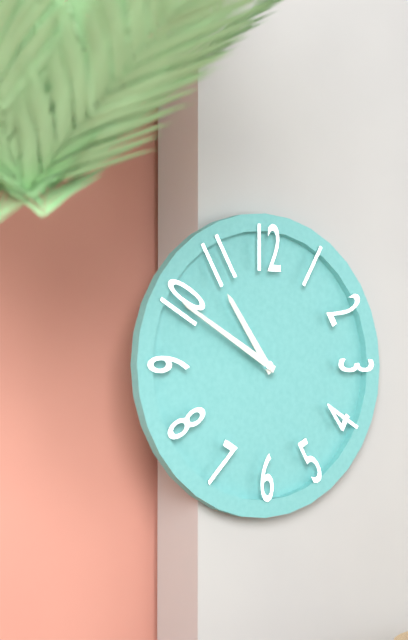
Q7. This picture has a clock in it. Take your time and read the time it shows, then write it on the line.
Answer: 10:50
